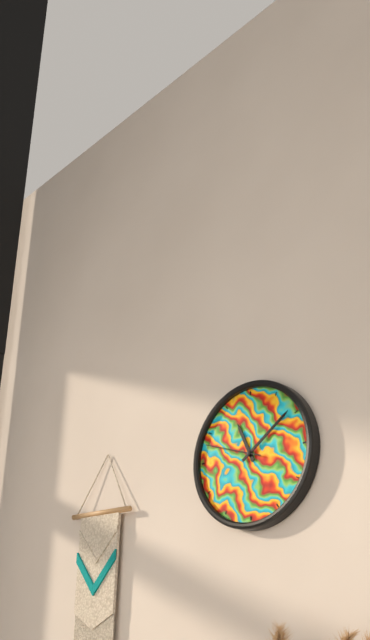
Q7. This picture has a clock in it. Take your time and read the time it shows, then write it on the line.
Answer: 11:09:48
